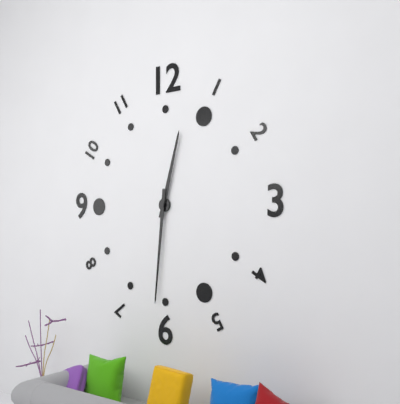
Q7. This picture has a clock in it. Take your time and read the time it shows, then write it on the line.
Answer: 12:31
